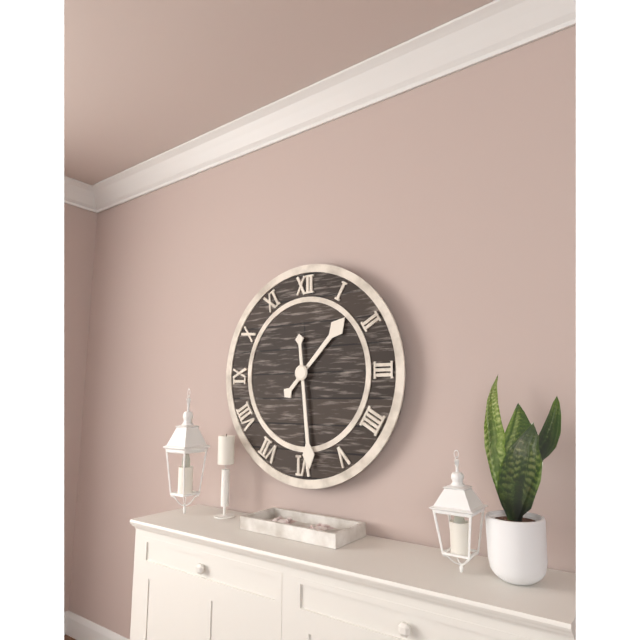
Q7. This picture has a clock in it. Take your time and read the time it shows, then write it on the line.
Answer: 1:29
